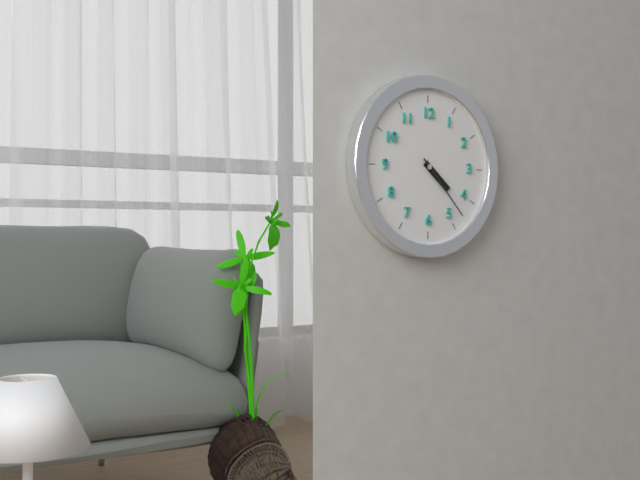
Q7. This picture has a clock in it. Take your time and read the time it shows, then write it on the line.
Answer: 4:23
